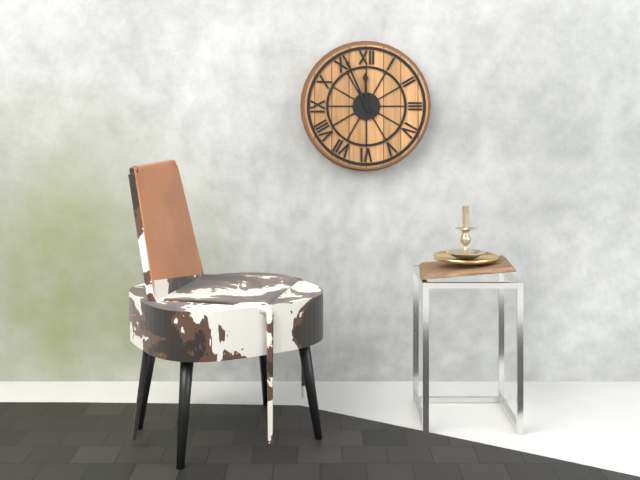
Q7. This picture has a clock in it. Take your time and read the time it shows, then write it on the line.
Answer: 11:56
